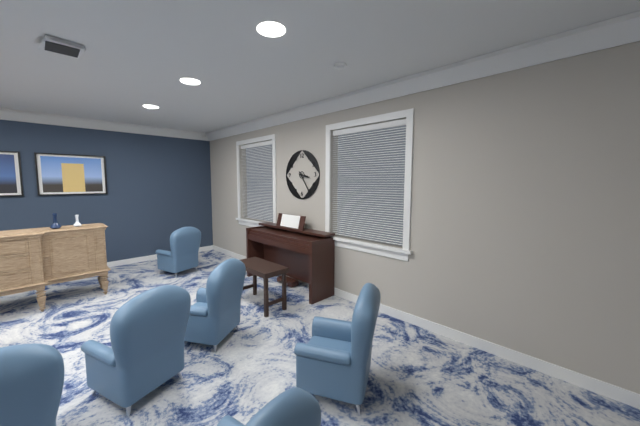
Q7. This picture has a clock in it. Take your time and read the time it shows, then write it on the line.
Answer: 3:24
